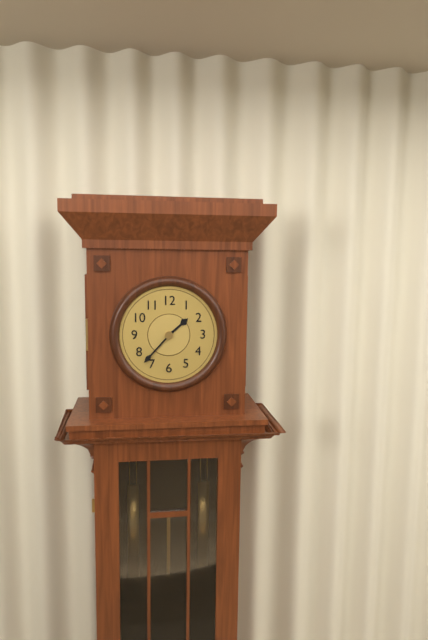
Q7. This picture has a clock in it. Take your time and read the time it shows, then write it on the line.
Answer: 1:37
